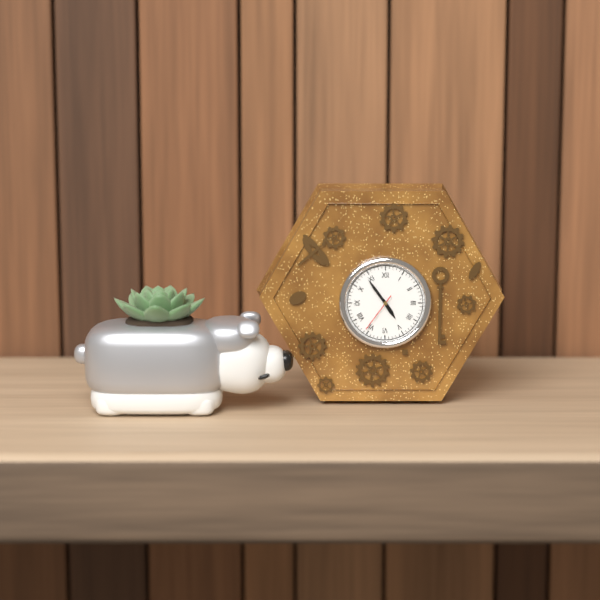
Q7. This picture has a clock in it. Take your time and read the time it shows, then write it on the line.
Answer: 4:54
